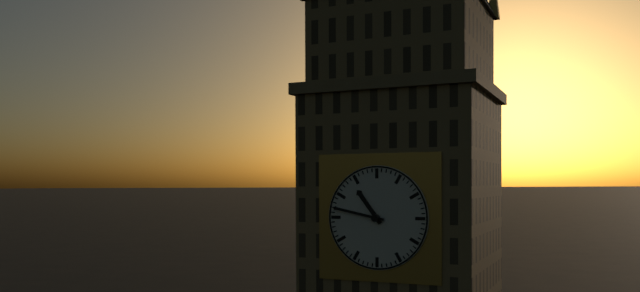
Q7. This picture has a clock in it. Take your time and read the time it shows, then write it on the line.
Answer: 10:47
